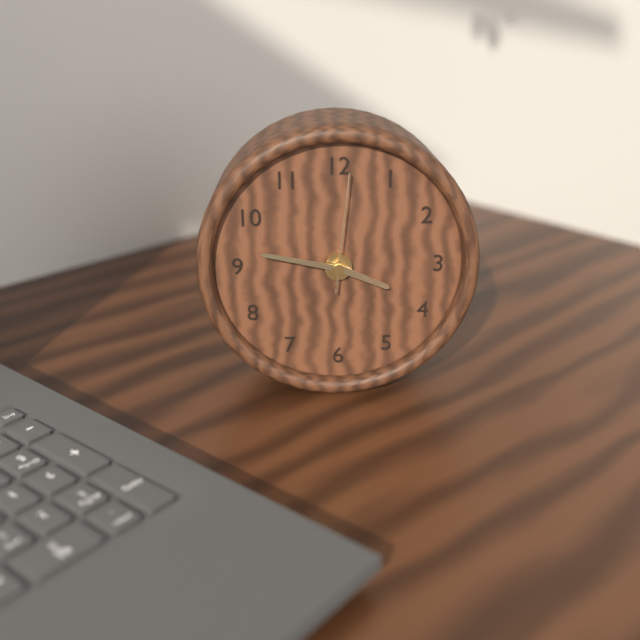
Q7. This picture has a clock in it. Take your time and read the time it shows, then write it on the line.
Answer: 3:47:01
